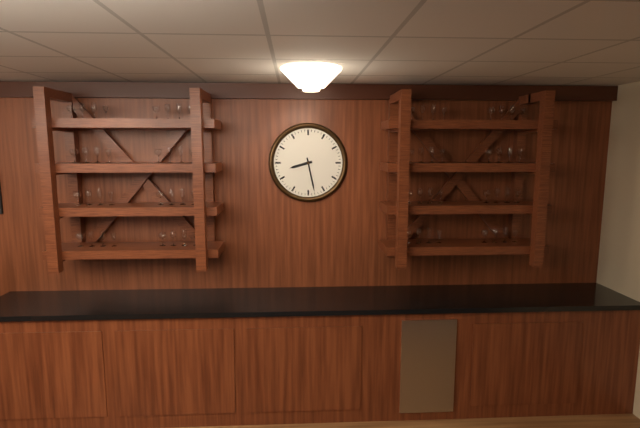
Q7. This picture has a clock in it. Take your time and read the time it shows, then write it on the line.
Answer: 8:28
